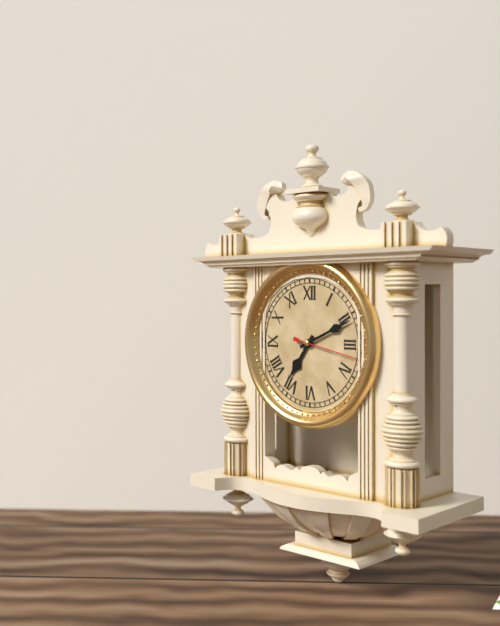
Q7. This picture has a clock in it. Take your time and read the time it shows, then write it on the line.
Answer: 7:11:17
